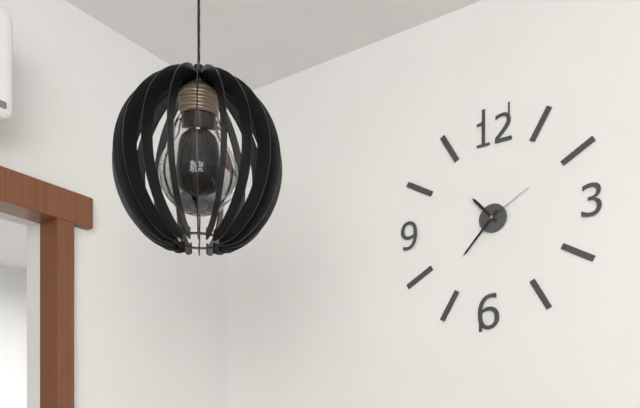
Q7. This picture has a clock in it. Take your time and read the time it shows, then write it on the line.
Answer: 10:37:10
